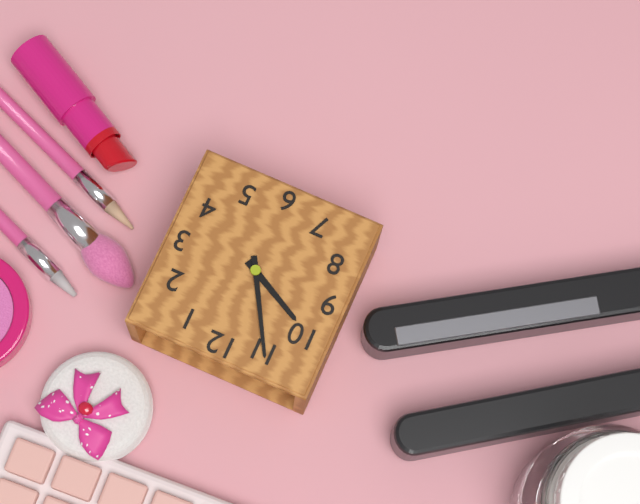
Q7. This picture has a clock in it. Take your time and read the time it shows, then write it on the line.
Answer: 9:55
